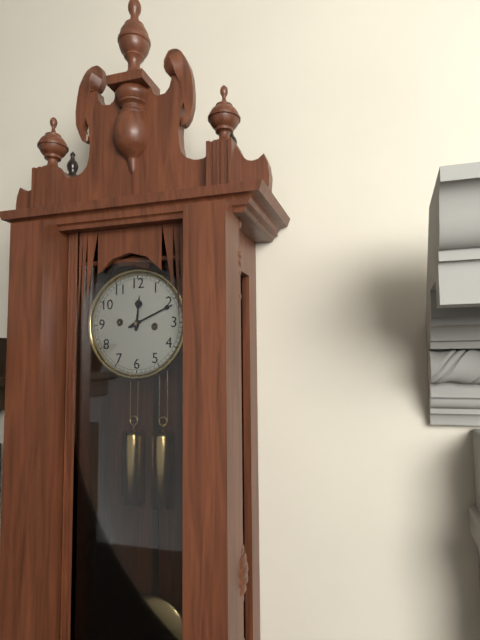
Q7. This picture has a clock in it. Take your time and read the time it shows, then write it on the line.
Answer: 12:11
